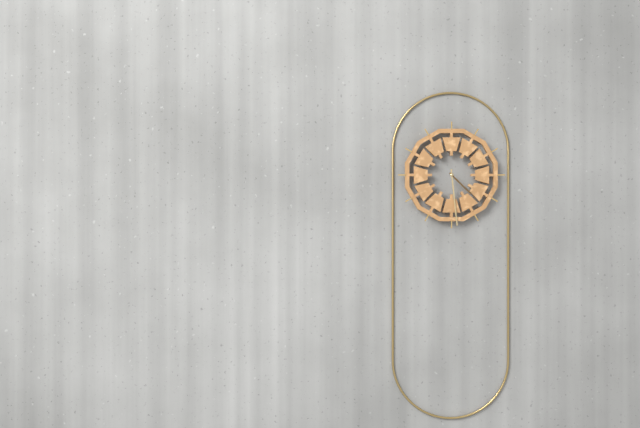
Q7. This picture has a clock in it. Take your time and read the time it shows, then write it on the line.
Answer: 4:29
